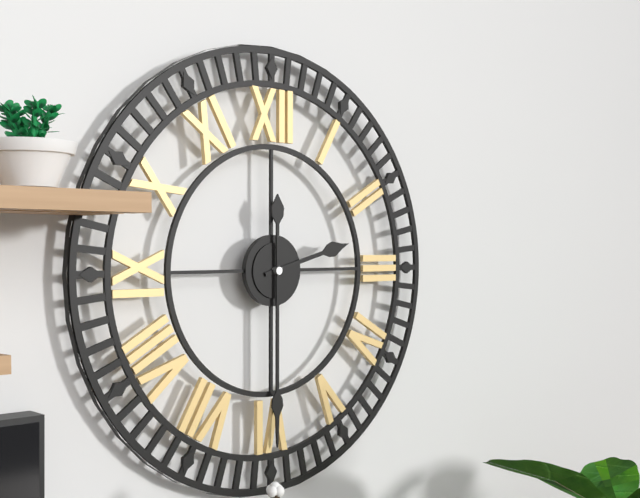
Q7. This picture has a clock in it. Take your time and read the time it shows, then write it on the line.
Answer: 2:30
